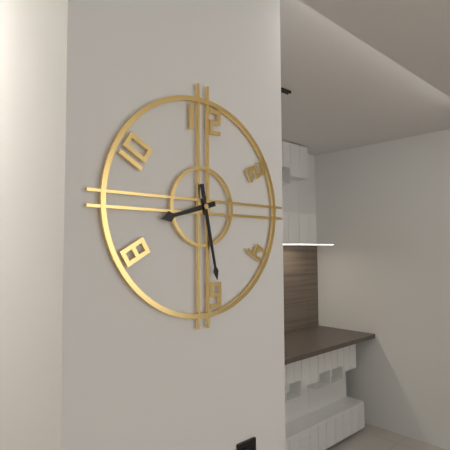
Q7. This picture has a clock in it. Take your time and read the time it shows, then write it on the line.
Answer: 8:28
